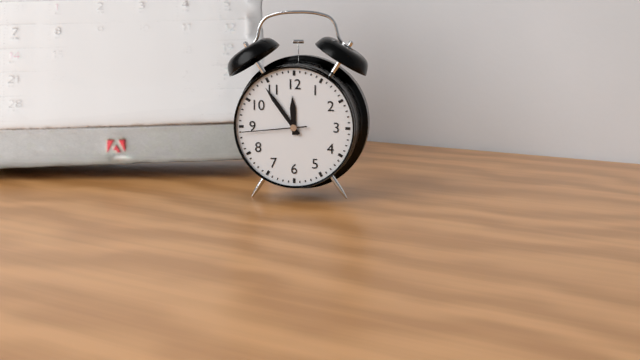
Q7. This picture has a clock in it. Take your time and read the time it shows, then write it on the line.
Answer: 11:54:44
